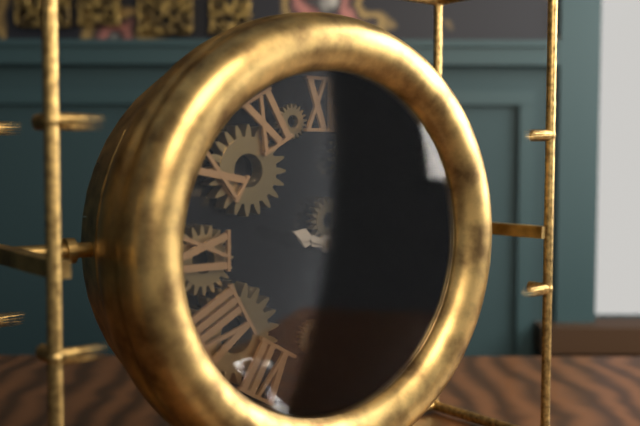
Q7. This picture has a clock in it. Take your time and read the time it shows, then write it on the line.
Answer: 3:18
